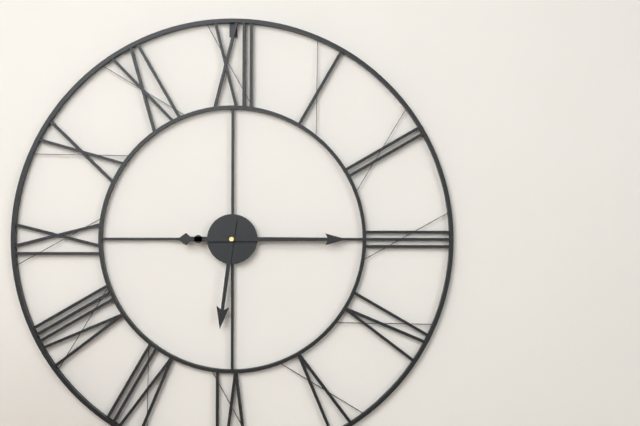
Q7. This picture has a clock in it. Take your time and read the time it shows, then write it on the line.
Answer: 6:15
